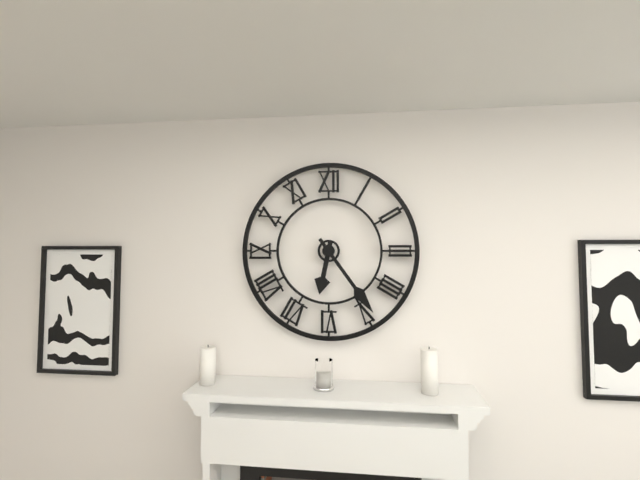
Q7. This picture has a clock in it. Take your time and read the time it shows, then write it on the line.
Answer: 6:24
